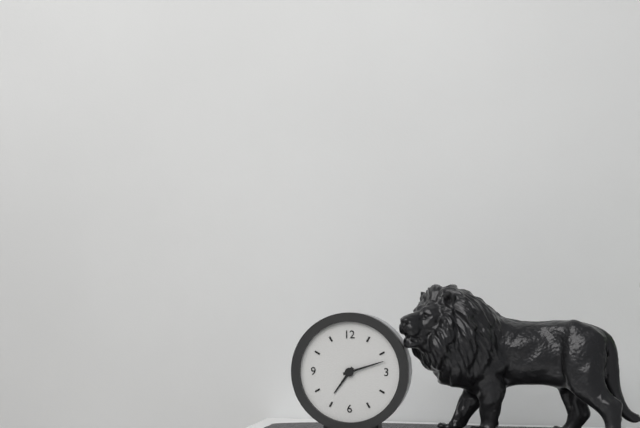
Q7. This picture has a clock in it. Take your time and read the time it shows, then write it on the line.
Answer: 7:12
